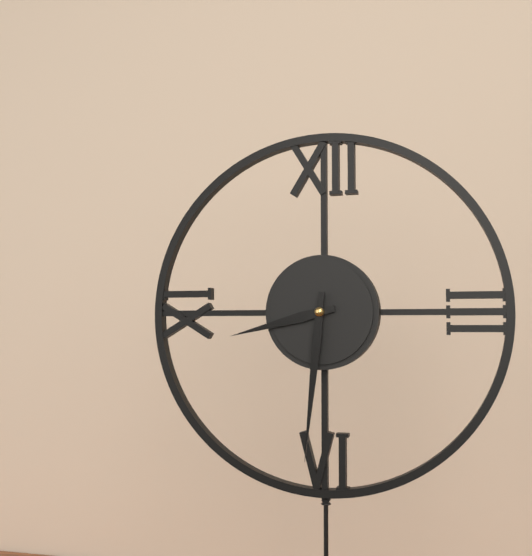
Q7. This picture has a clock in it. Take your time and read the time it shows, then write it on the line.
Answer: 8:31
